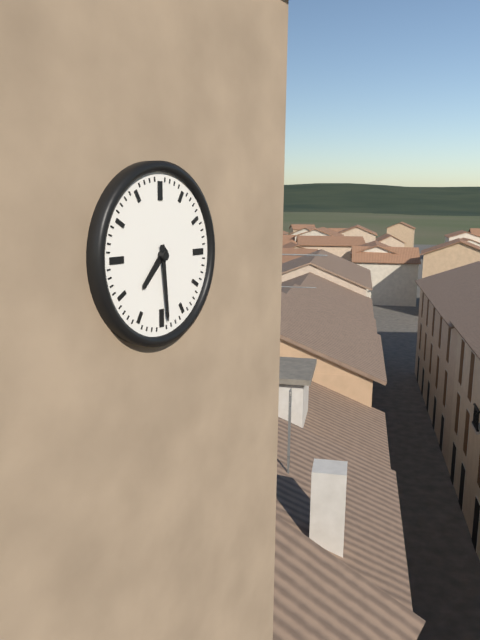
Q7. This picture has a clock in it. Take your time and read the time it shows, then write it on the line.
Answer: 7:29
